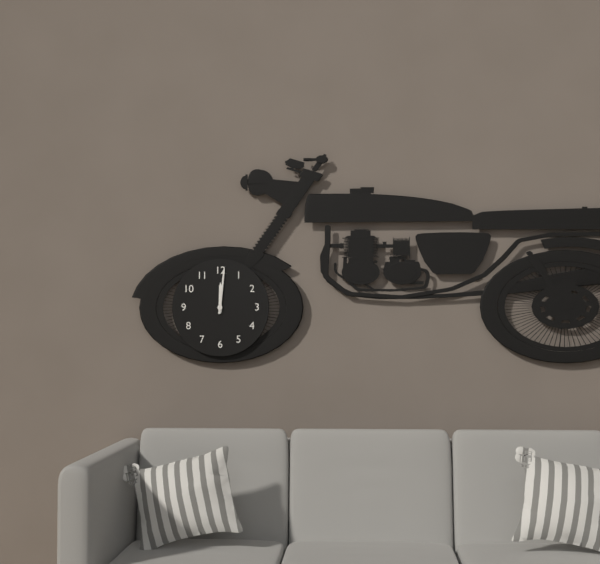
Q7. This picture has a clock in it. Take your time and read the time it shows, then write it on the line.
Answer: 12:01
